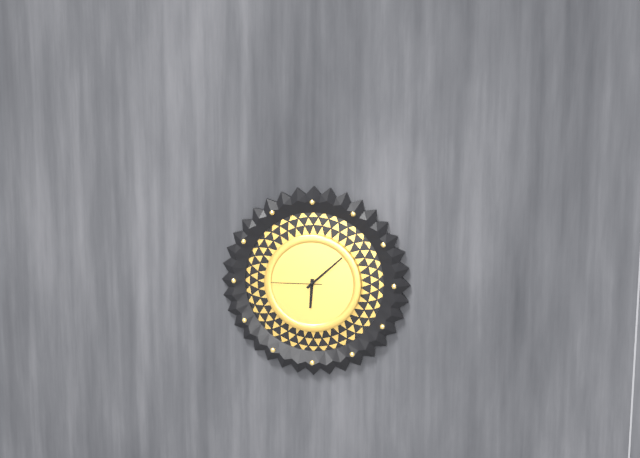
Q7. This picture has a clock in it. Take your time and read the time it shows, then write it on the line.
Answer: 6:08:45
